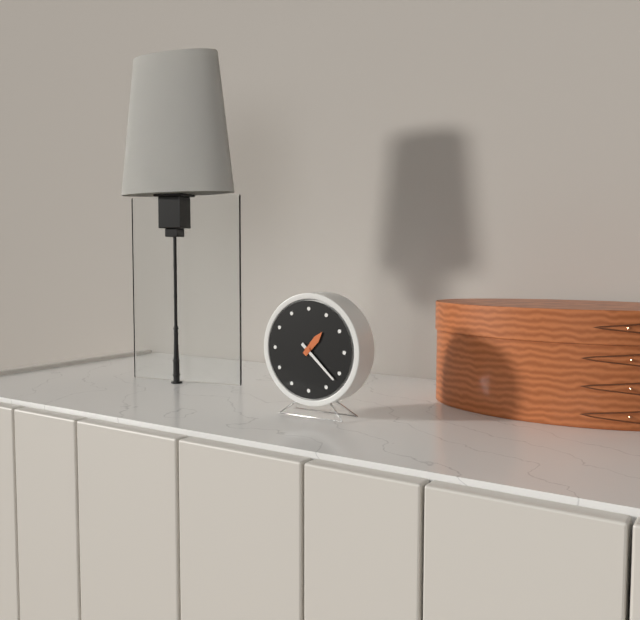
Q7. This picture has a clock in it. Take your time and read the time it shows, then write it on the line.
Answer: 1:22
